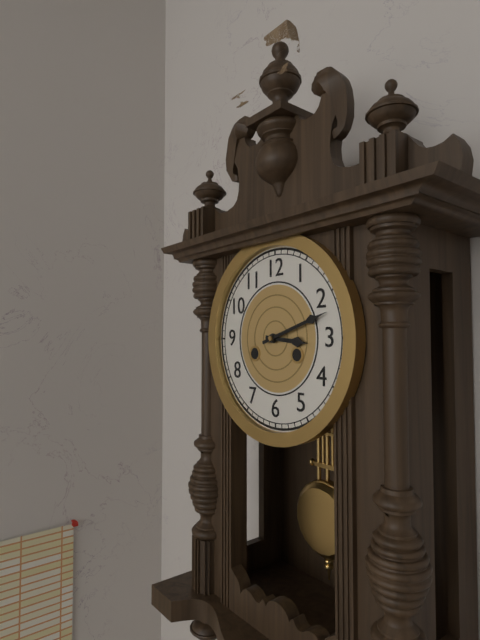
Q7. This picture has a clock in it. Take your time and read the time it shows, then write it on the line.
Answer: 3:12
